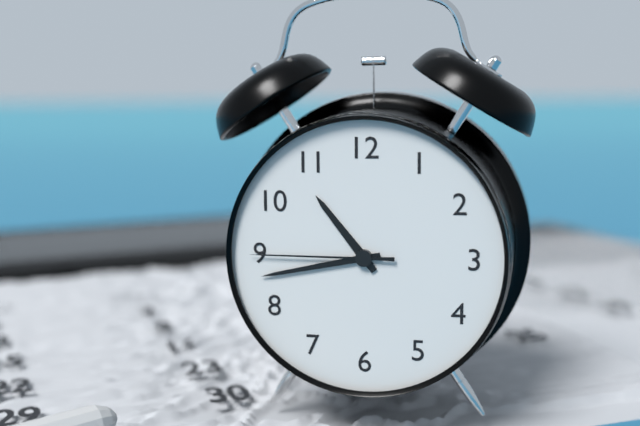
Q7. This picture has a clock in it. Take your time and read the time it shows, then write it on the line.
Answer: 10:43:45
